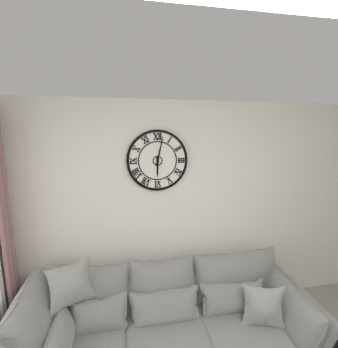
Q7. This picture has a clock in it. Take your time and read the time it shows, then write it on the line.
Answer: 6:02
